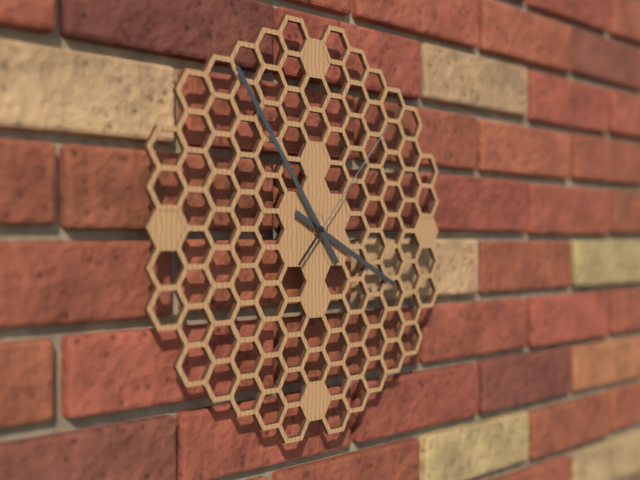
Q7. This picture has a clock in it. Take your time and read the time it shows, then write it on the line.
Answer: 3:54:07
